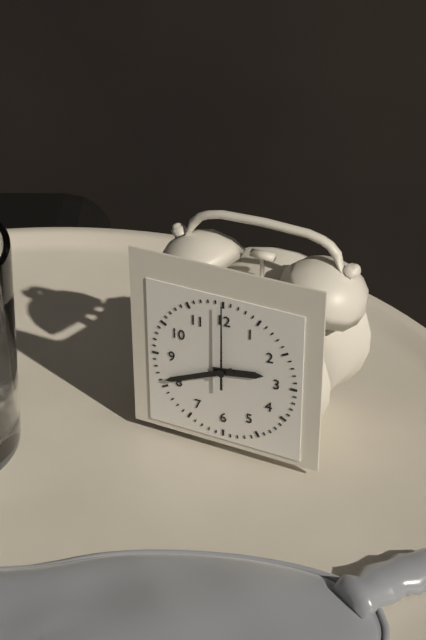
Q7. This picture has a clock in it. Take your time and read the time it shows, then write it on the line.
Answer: 2:41:00
